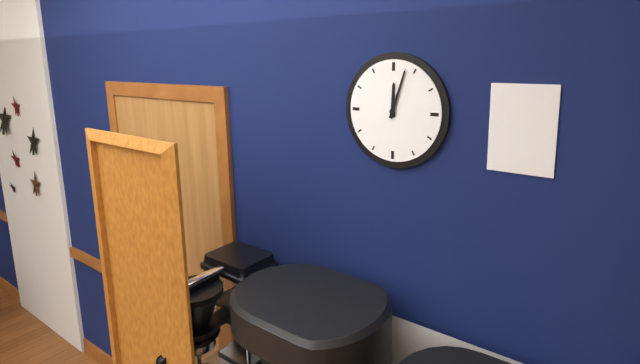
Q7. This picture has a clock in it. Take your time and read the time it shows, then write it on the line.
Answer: 12:03
